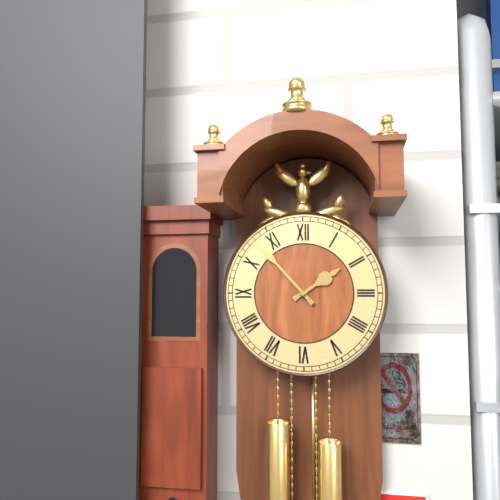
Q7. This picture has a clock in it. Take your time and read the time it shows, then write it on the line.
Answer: 1:53
